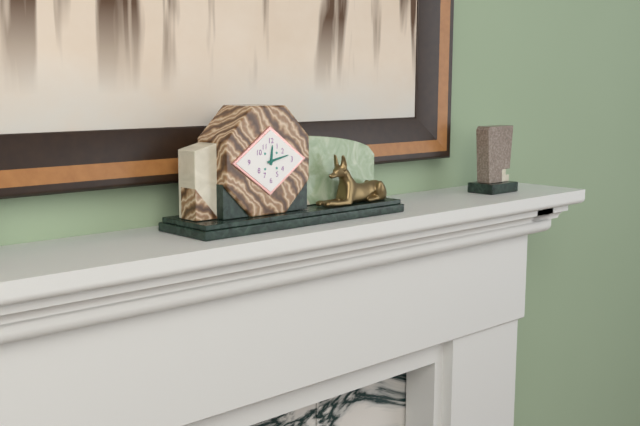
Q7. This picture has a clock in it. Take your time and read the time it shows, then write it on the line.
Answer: 12:13
